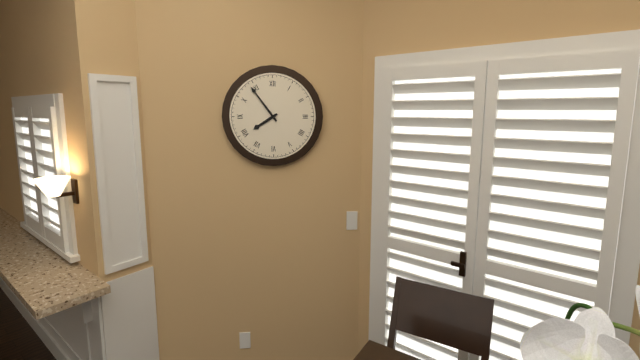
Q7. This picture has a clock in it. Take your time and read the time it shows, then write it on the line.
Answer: 7:54
